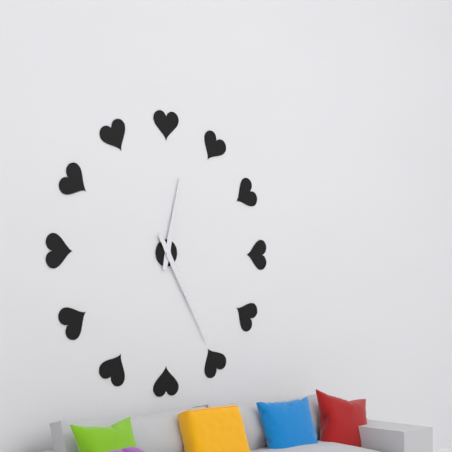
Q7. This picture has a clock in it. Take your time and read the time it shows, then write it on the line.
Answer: 12:25
